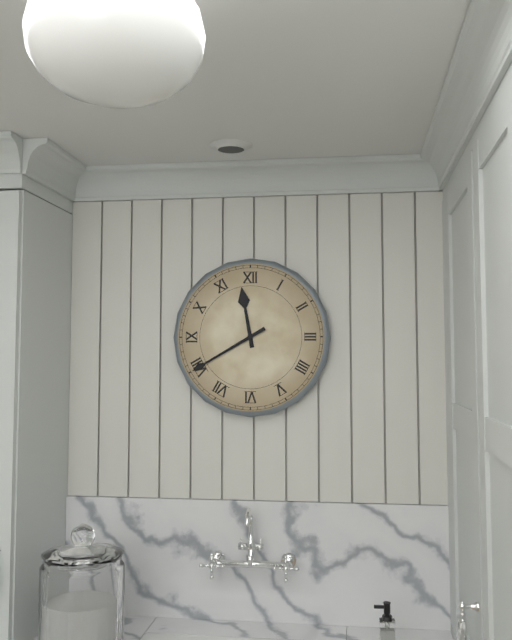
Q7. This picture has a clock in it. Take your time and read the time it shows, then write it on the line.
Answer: 11:40
